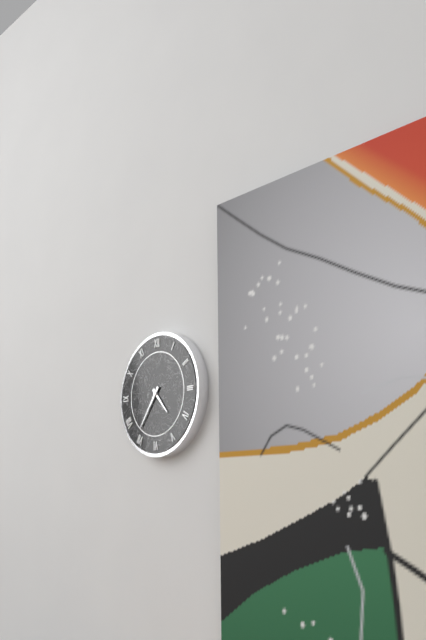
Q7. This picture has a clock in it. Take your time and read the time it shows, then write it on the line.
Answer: 4:36
